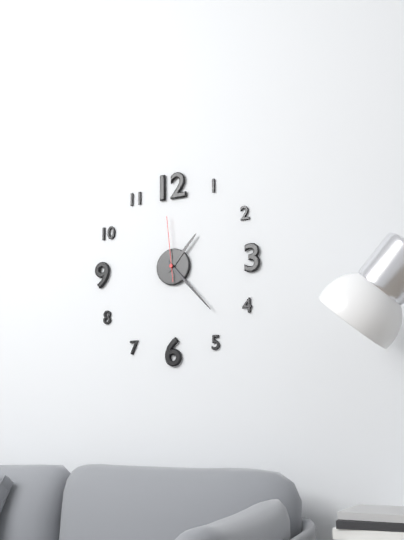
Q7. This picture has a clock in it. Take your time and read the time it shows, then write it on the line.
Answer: 1:23:59
